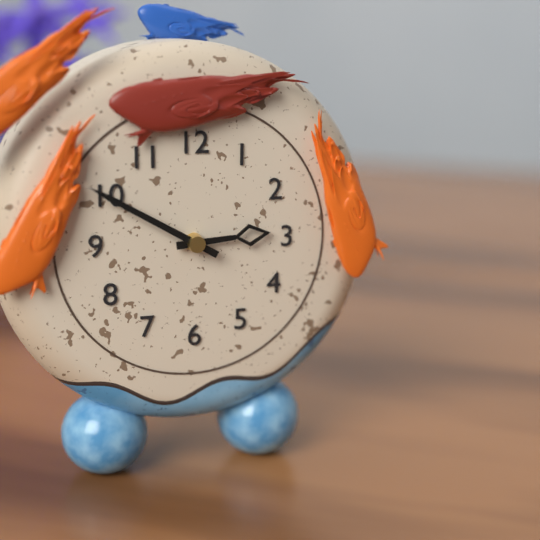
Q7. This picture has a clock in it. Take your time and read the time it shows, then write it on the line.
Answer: 2:50
